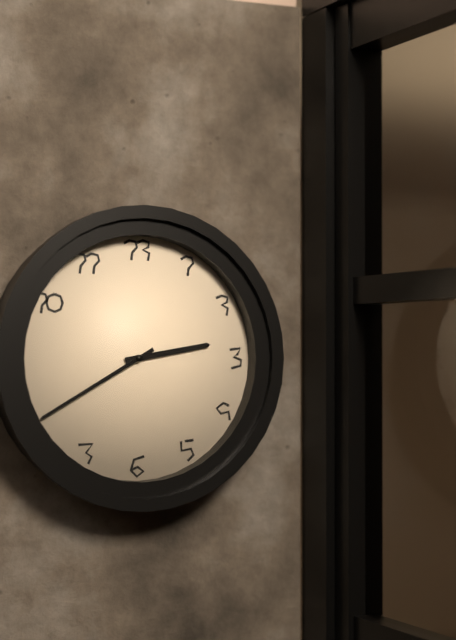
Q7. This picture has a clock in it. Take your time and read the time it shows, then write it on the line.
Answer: 2:40
